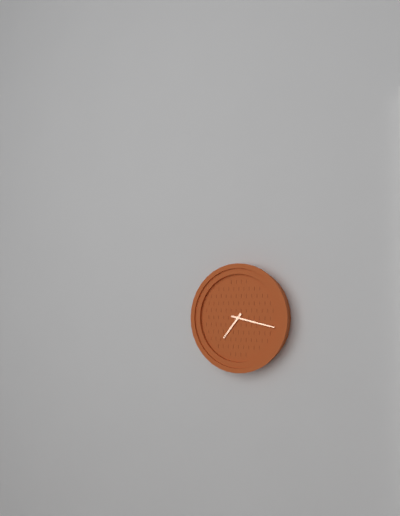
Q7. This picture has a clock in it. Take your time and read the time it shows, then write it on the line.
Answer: 7:17
